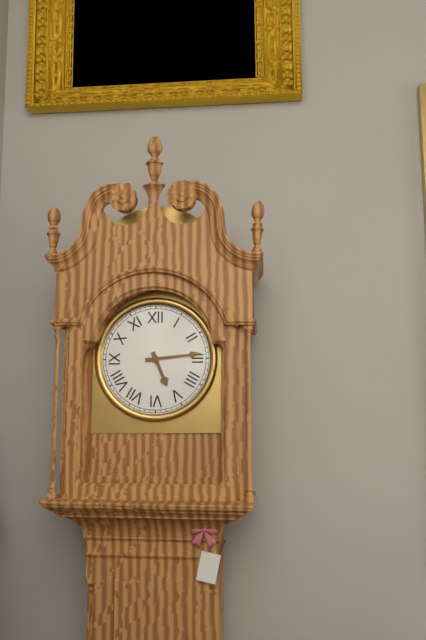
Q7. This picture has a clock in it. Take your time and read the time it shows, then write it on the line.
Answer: 5:14
